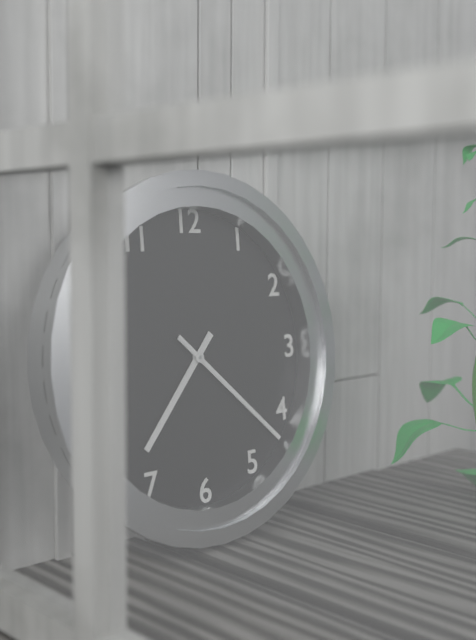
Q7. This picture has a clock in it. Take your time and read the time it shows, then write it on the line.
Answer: 7:22
